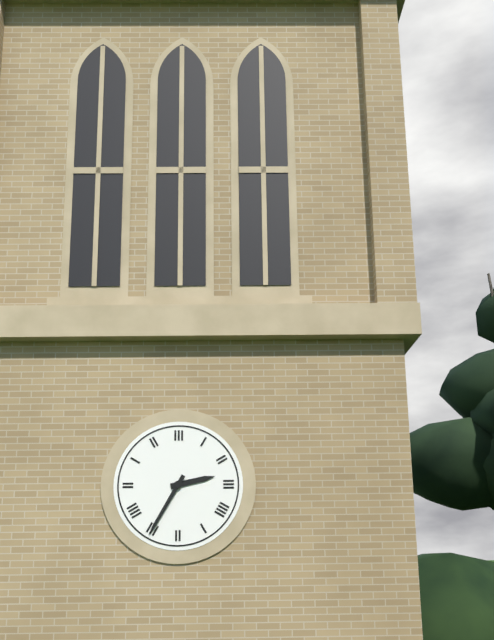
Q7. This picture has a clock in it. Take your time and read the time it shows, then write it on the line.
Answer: 2:35
